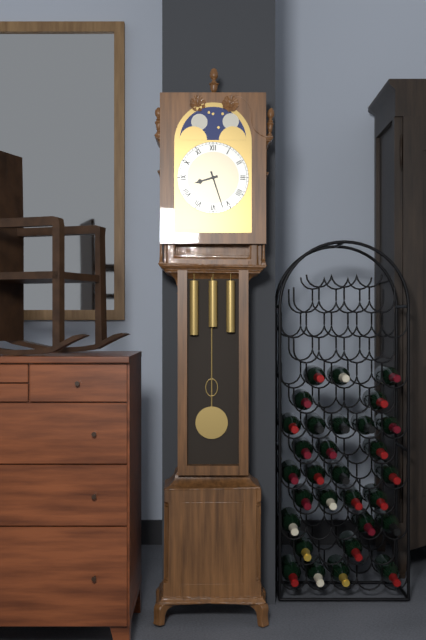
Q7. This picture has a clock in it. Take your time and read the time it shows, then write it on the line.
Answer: 8:27
